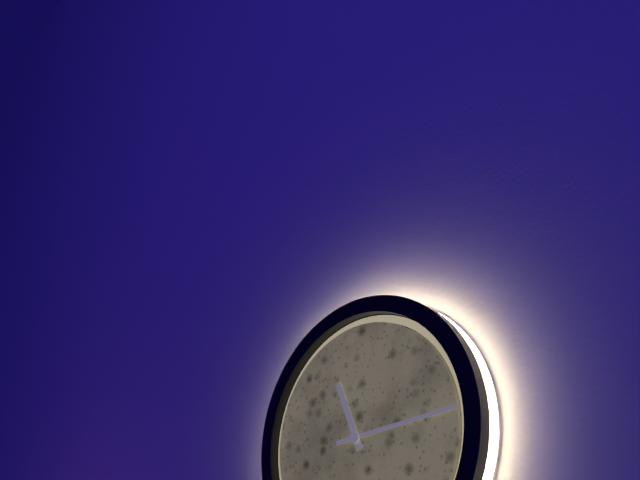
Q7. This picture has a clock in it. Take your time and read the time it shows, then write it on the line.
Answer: 11:14
